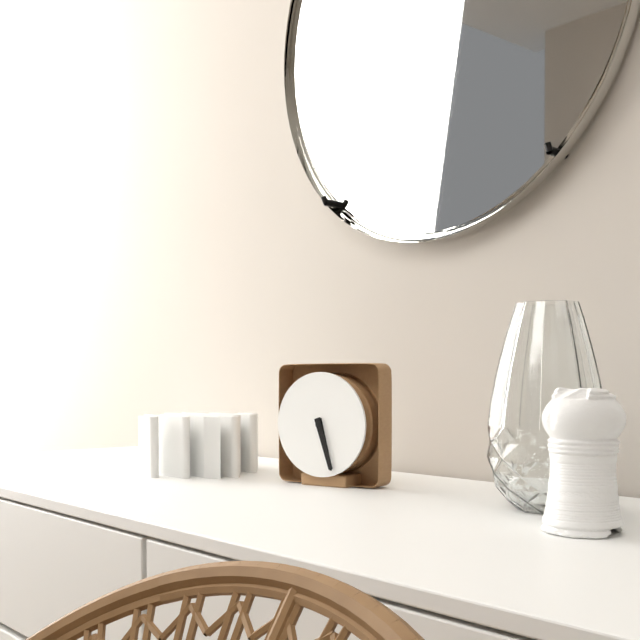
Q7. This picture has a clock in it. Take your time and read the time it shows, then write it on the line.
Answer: 5:27
